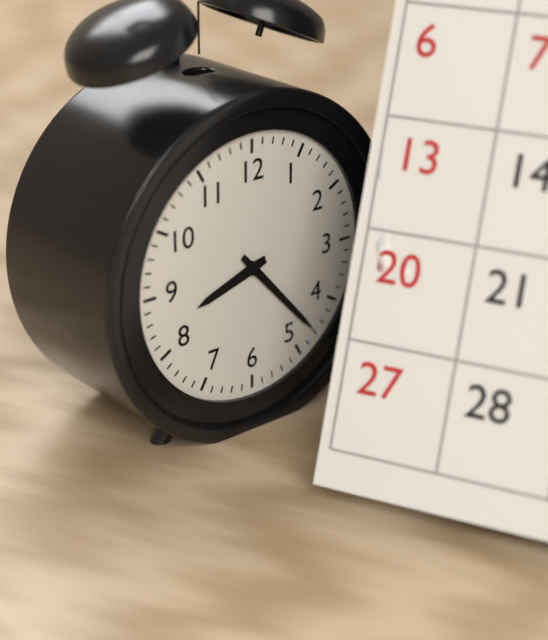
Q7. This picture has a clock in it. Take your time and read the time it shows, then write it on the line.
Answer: 8:23
